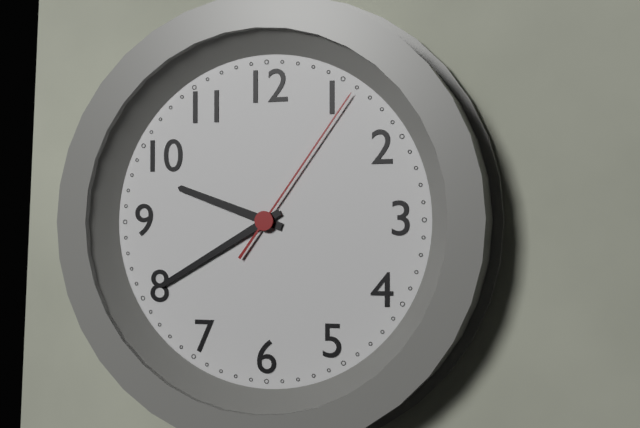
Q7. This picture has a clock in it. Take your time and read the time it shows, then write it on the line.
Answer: 9:40:06
